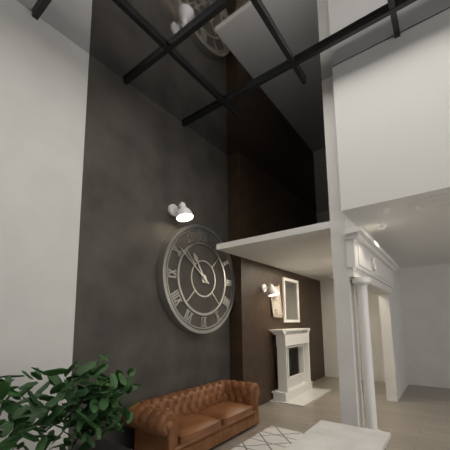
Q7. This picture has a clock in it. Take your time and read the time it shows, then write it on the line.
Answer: 10:51
